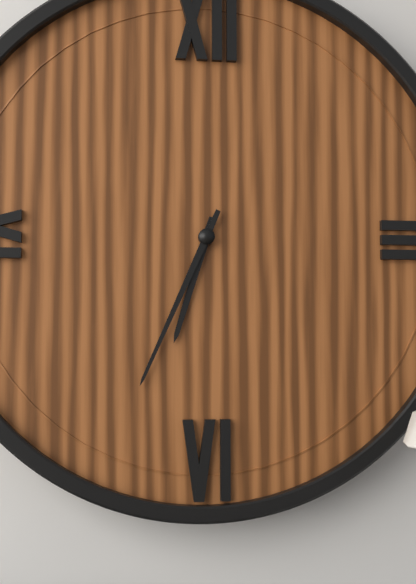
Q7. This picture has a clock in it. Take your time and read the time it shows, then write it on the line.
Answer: 6:34
